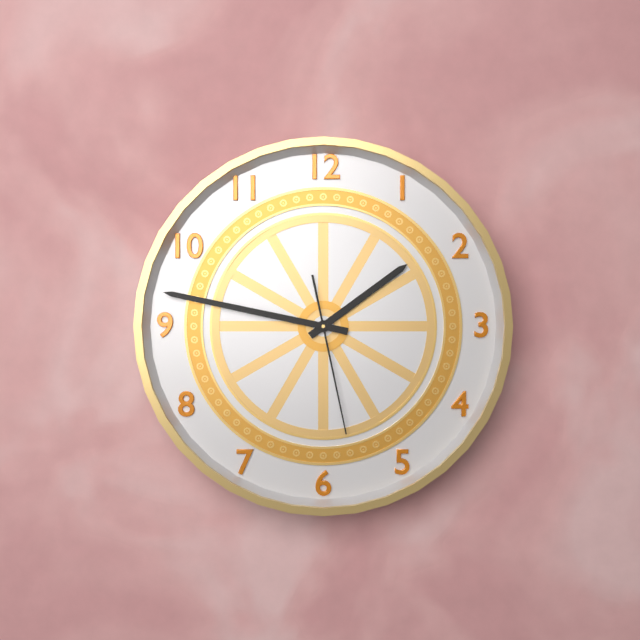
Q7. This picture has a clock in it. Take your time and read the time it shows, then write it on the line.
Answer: 1:47:28
